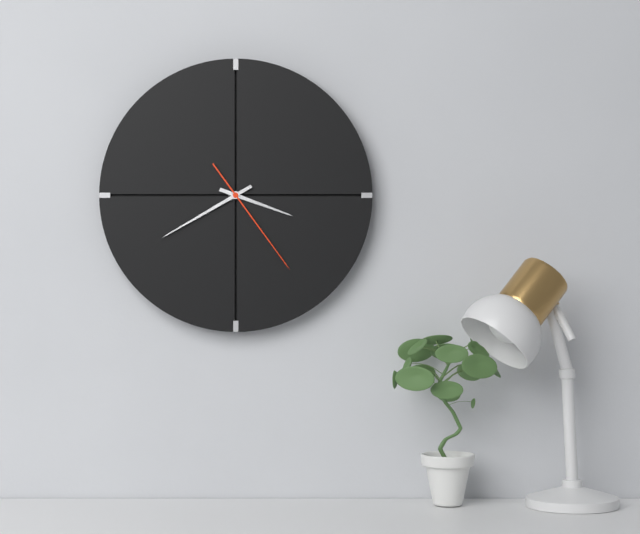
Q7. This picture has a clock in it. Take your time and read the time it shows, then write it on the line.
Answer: 3:40:24
